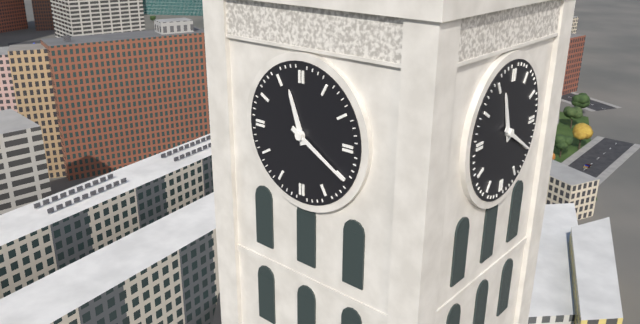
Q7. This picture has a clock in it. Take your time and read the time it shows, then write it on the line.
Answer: 11:20
